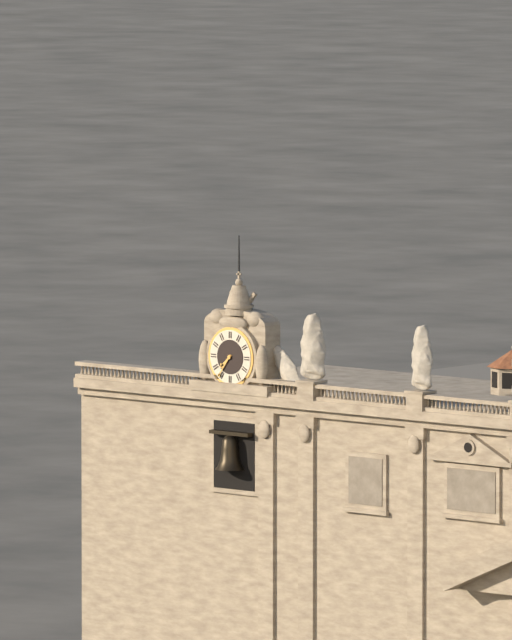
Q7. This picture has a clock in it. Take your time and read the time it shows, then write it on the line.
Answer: 7:36
